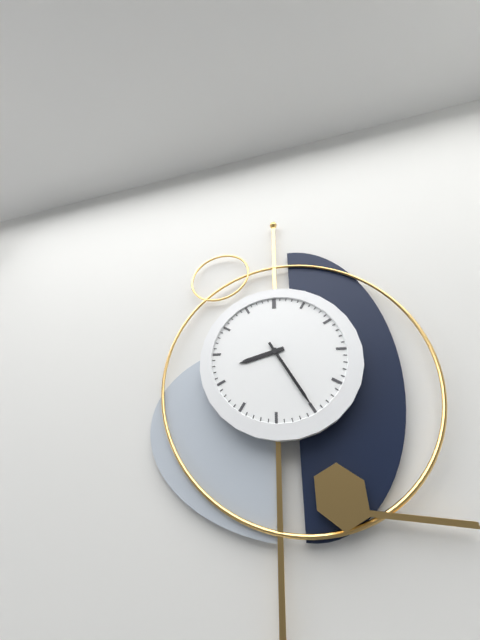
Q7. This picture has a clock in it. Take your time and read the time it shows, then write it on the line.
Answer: 8:25
